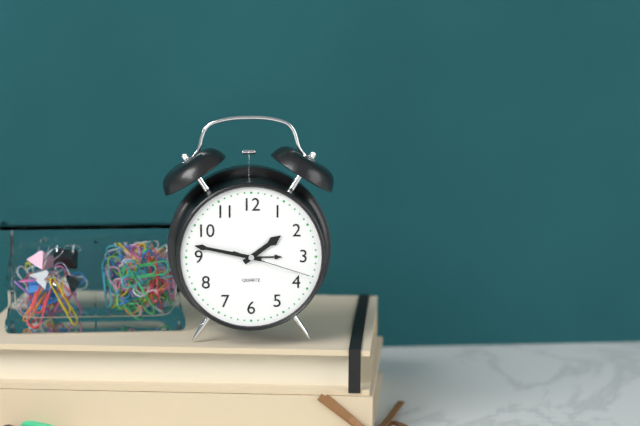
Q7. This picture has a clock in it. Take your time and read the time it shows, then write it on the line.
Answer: 1:47:18
